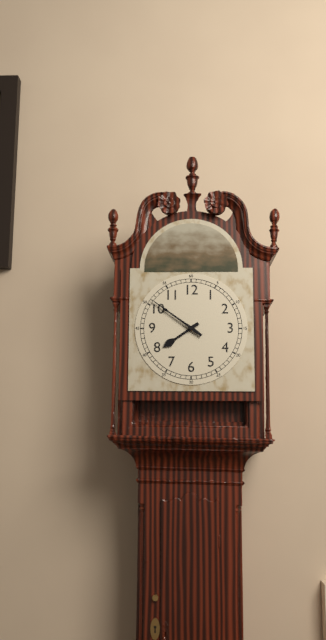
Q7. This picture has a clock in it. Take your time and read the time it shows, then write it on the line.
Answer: 7:51
